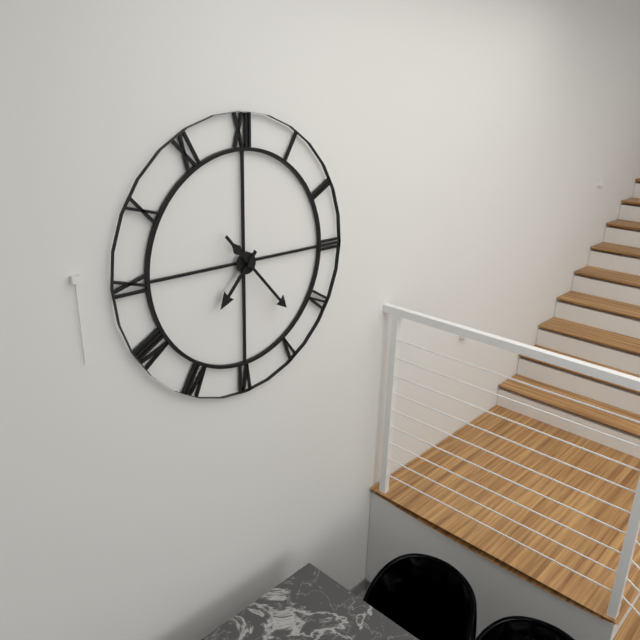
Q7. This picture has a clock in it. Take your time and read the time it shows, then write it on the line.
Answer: 7:23
